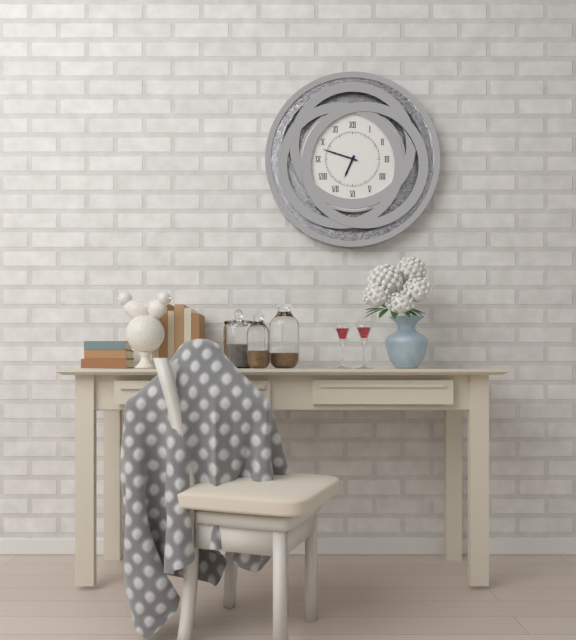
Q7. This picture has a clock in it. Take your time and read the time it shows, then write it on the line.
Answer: 6:48
